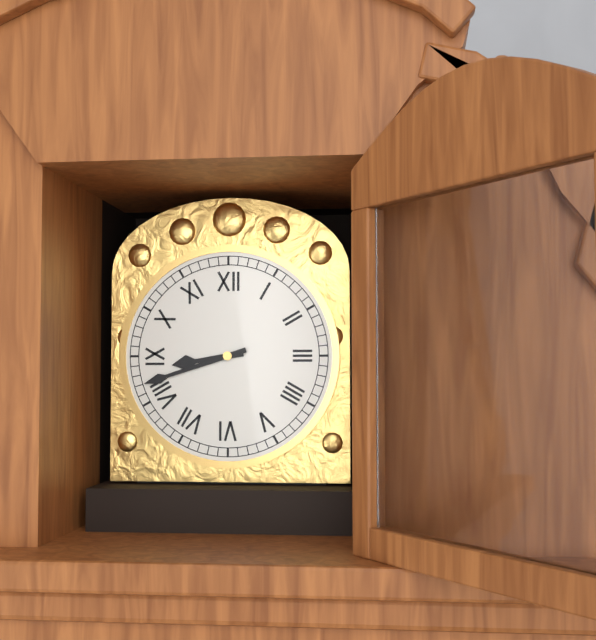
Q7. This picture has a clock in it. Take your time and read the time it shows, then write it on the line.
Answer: 8:42
